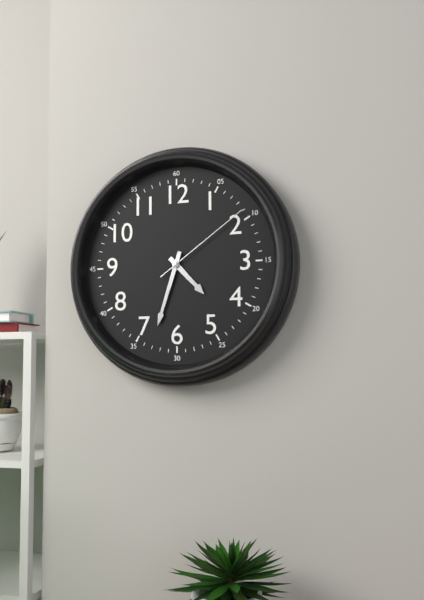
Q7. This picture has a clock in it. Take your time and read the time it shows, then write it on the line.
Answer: 4:33:09
